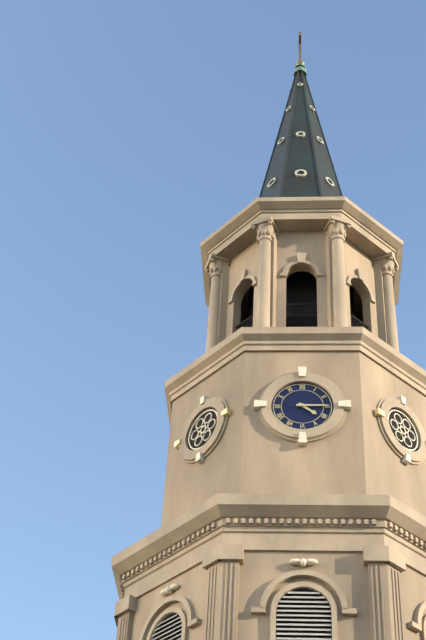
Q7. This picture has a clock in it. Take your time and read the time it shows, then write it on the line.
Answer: 4:15
